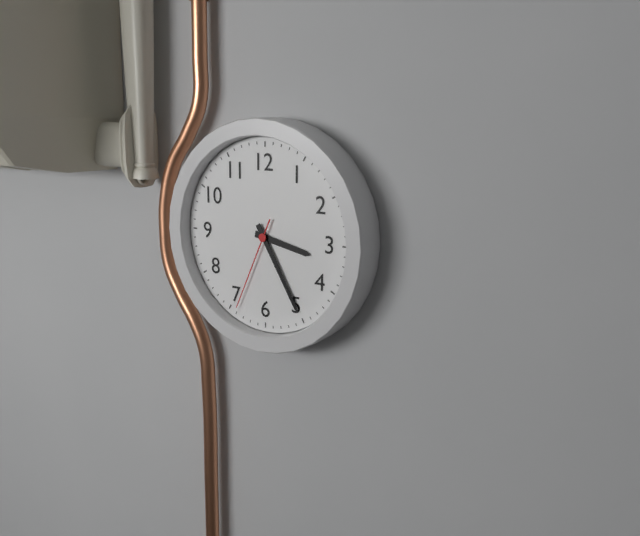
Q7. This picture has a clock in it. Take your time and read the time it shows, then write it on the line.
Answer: 3:25:34
